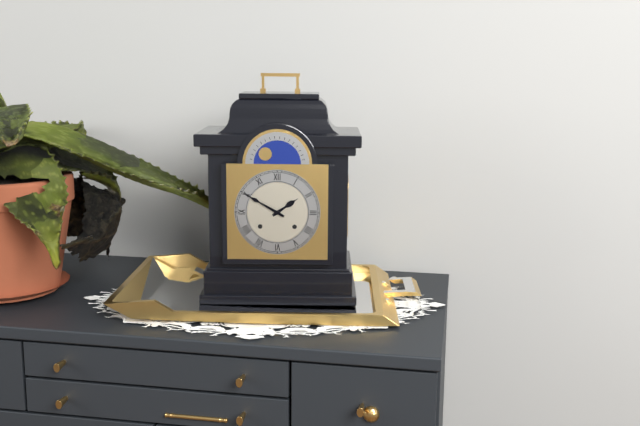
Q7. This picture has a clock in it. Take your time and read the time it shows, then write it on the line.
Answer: 1:50
